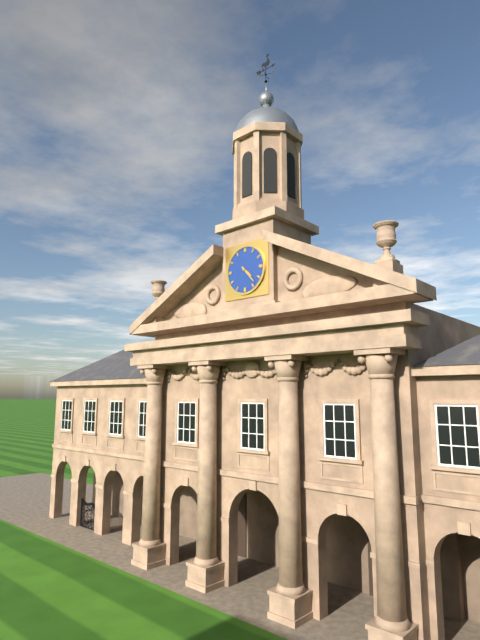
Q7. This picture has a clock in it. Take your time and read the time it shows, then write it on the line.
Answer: 4:23
